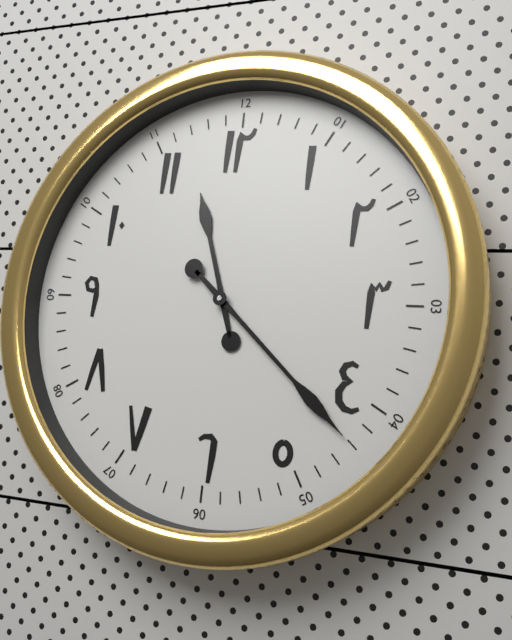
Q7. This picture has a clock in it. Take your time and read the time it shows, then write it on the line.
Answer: 11:22
